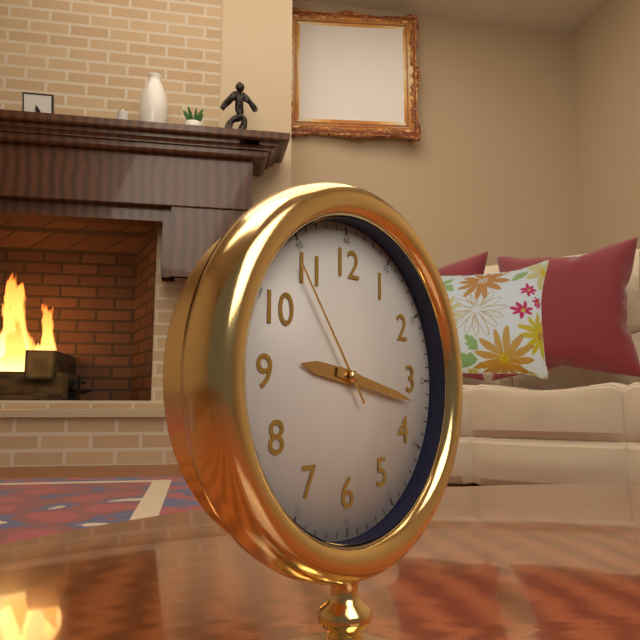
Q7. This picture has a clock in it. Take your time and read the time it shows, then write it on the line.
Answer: 9:17:54
